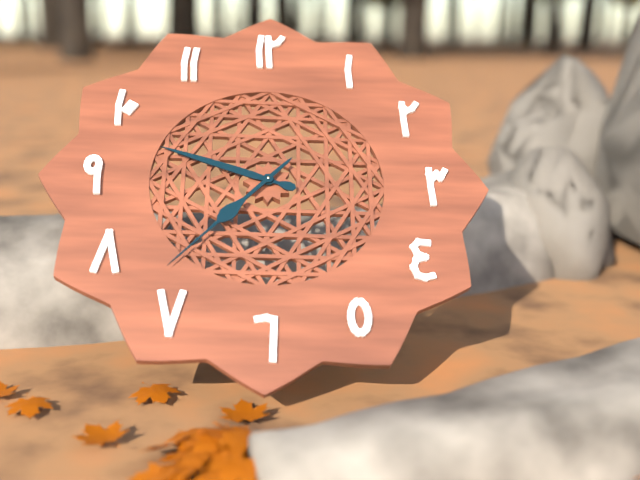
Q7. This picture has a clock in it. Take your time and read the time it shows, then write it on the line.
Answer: 9:37
